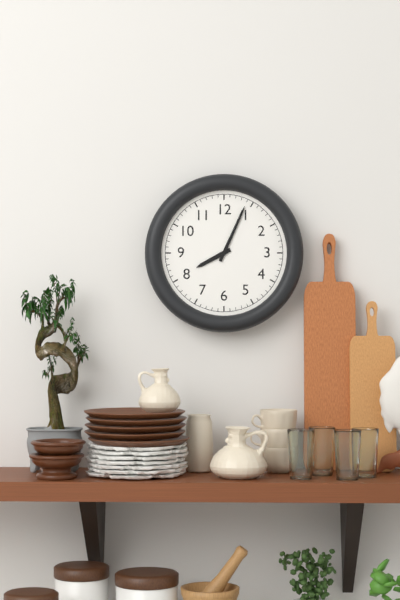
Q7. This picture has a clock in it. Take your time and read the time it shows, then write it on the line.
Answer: 8:04
